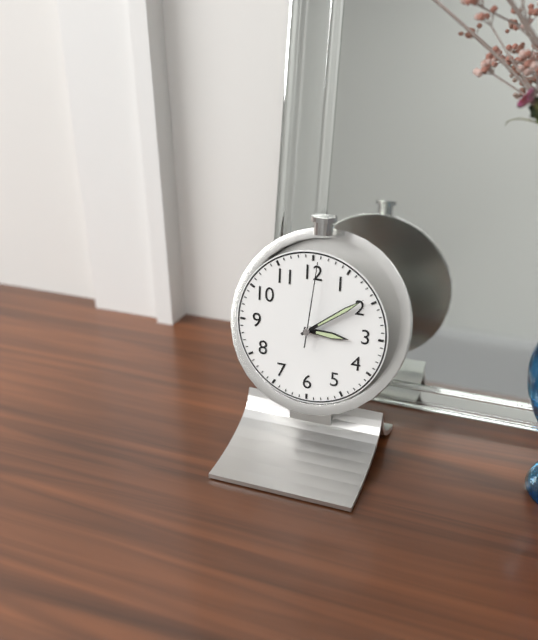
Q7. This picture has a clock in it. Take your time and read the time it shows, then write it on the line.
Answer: 3:09:01
